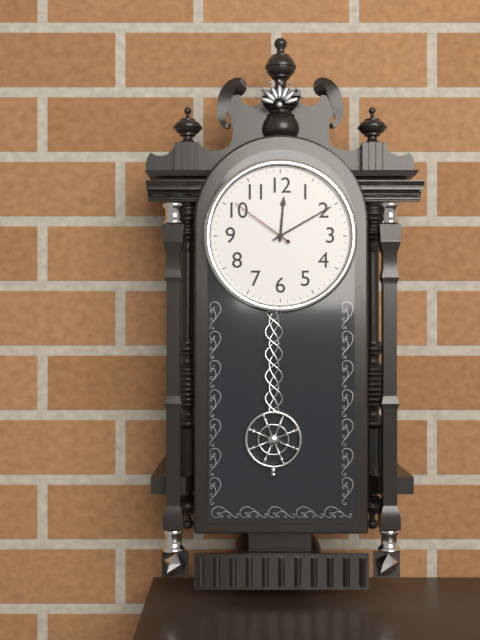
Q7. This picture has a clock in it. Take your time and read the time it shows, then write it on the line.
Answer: 12:10:51
